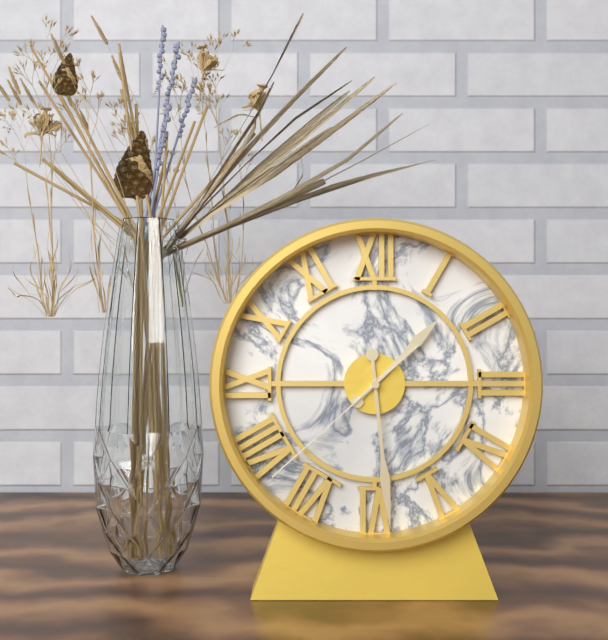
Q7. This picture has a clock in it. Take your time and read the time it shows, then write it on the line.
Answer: 1:29:38
